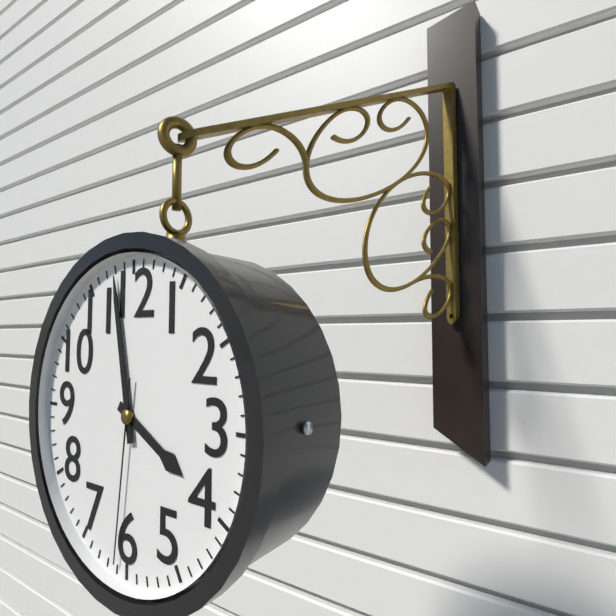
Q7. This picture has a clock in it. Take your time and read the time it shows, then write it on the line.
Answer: 3:58:31
